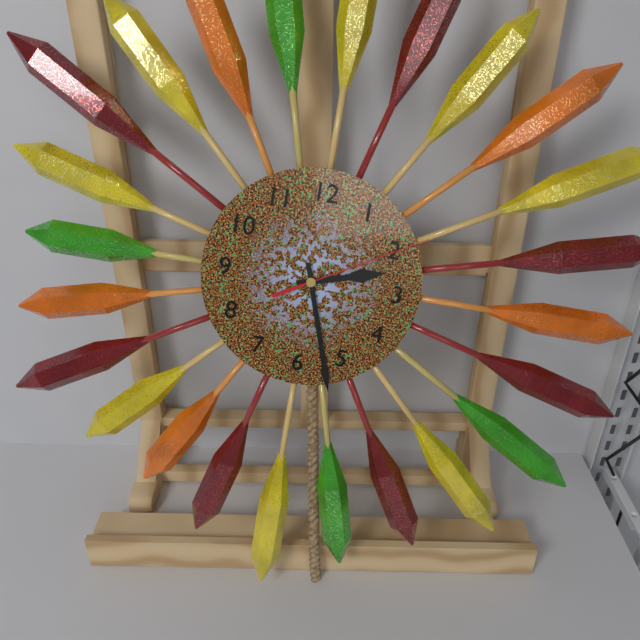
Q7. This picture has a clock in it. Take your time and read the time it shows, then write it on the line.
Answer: 2:27:10
